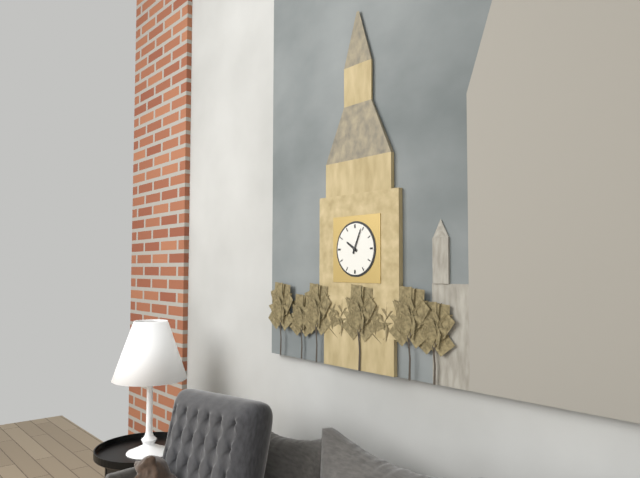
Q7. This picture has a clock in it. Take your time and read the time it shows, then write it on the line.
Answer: 10:04
